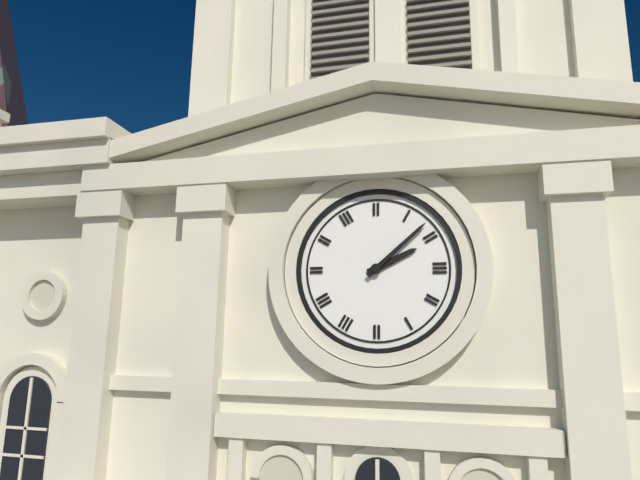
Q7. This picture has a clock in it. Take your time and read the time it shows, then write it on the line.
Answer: 2:08
